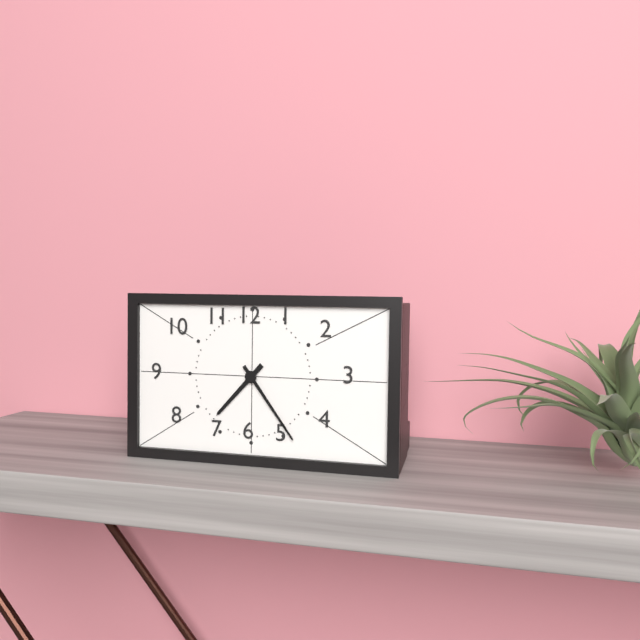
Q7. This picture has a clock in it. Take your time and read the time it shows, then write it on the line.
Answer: 7:24
